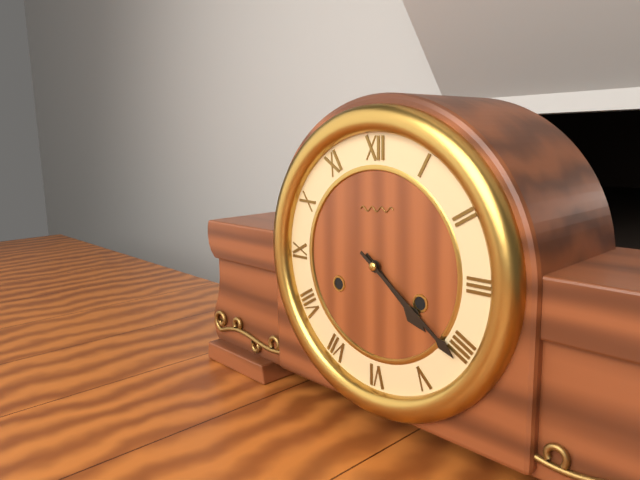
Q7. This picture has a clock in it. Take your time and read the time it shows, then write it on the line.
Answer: 4:21
